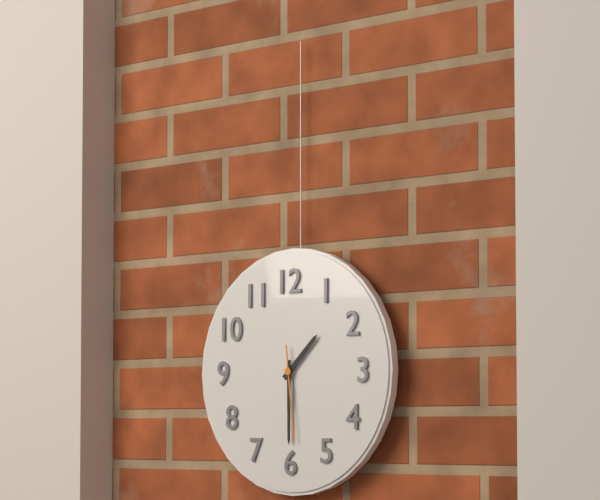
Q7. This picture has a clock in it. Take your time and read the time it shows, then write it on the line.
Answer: 1:30:29
